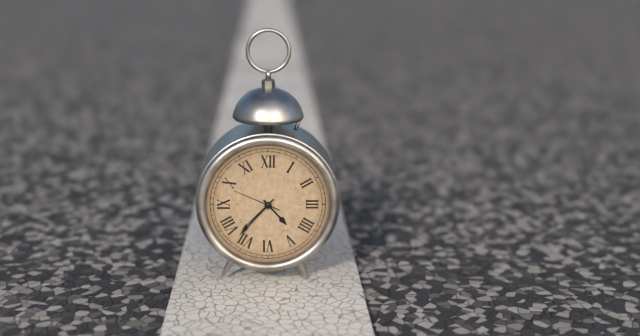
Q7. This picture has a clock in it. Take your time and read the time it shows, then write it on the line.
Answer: 4:37
